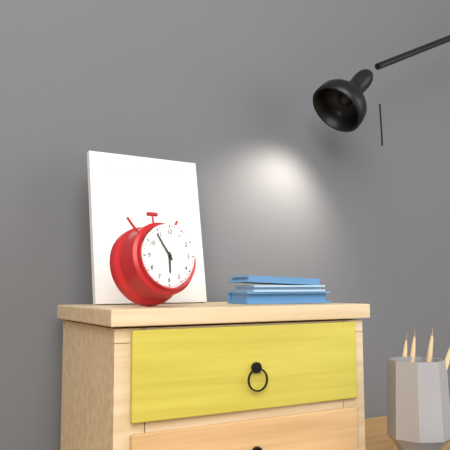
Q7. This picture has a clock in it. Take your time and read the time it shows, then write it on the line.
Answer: 5:54
